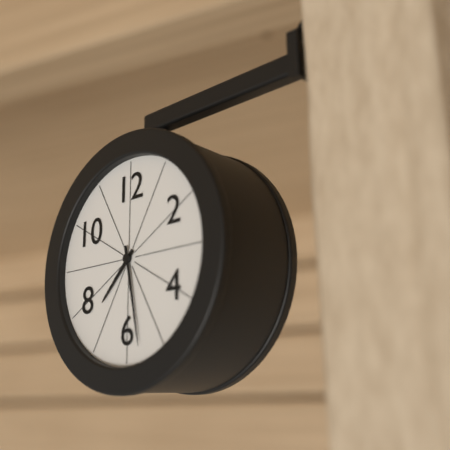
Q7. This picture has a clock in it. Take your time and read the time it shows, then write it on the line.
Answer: 7:28
